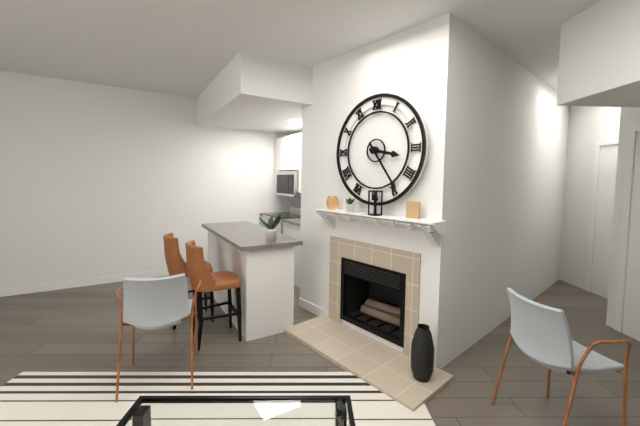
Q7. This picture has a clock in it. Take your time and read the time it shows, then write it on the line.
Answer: 3:24
